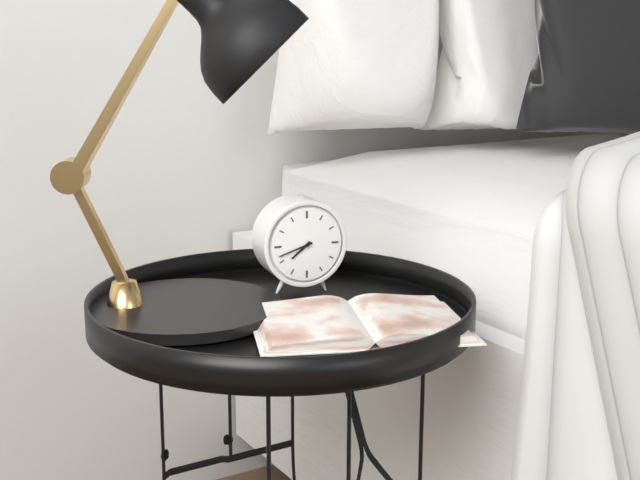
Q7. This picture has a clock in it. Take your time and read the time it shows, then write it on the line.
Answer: 7:42
